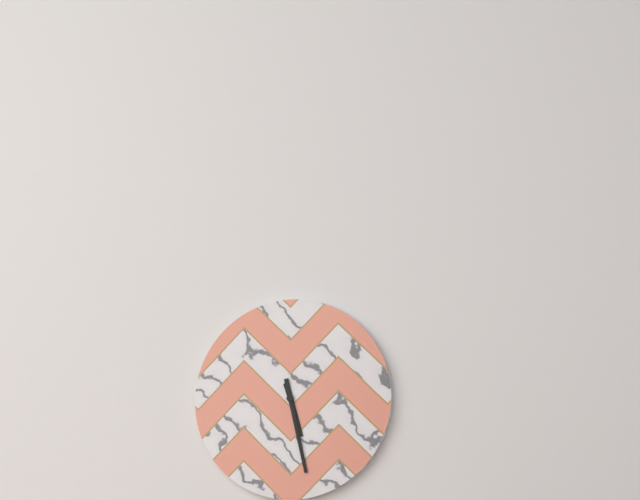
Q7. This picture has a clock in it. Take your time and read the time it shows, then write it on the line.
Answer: 5:28
